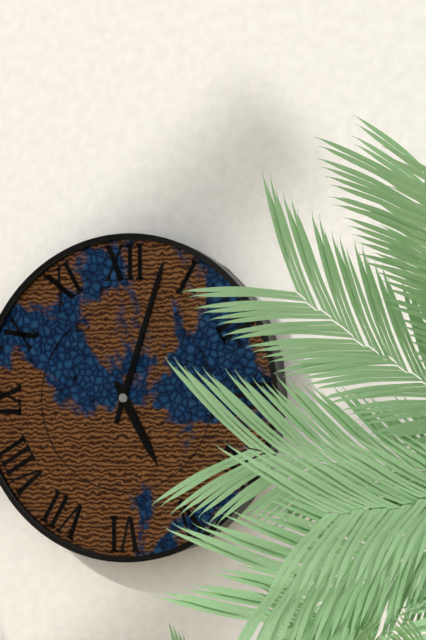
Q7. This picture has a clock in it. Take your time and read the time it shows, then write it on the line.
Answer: 5:03
